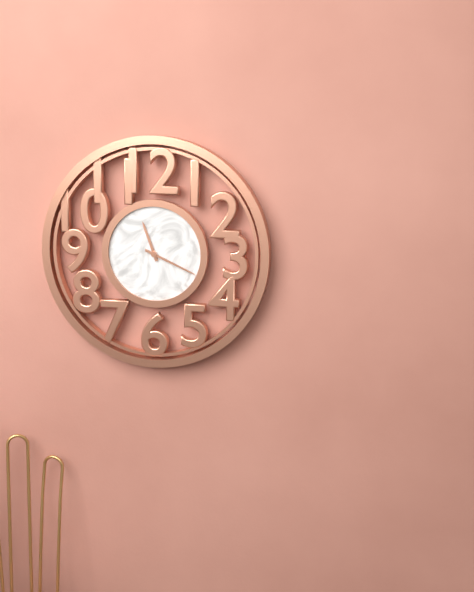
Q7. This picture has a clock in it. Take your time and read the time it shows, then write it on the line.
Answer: 11:19
